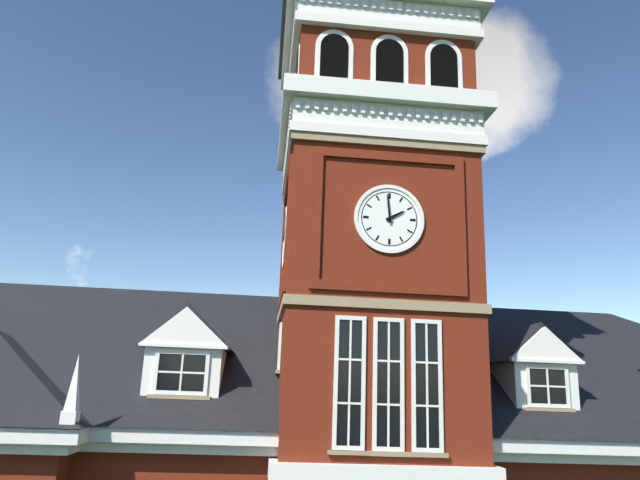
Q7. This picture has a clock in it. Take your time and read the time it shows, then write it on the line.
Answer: 1:59
